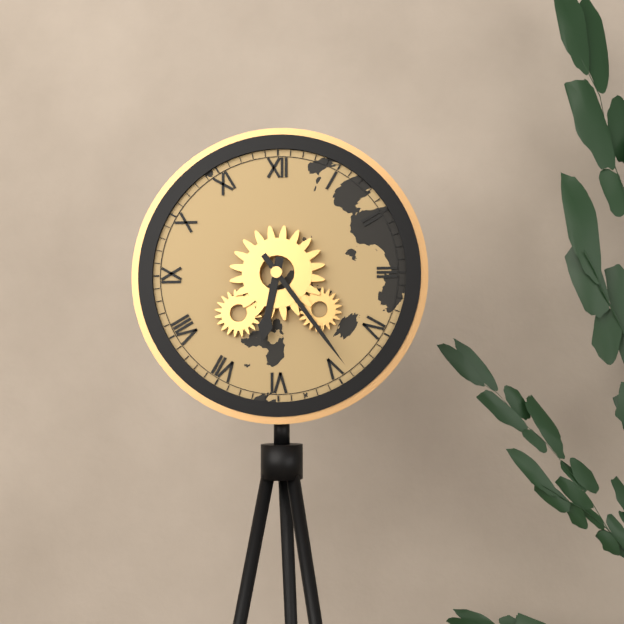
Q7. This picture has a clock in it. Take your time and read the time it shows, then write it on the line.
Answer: 6:24
